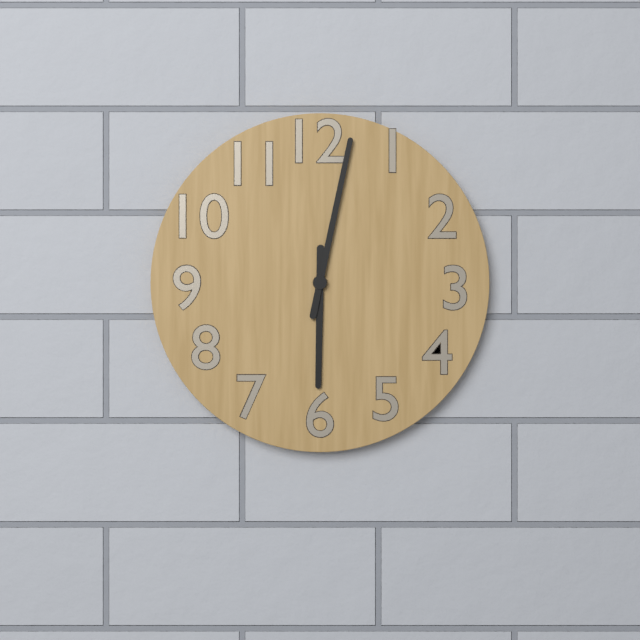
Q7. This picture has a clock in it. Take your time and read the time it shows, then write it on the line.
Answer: 6:02
